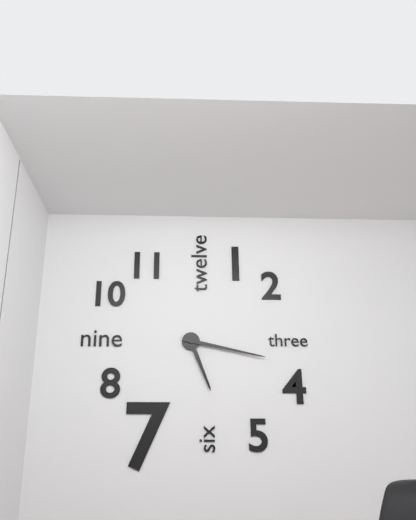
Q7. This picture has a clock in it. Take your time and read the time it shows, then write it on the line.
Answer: 5:17
